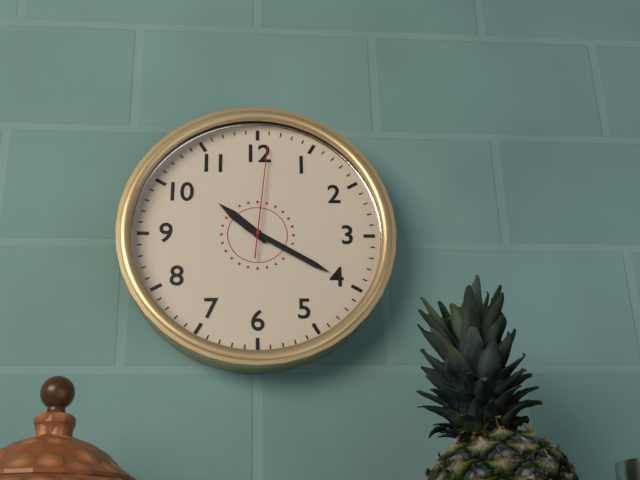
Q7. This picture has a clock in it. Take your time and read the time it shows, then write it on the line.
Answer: 10:20:01
